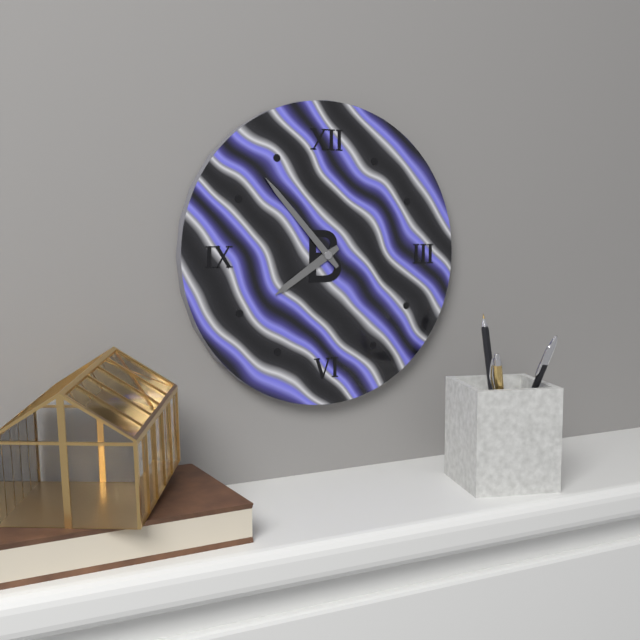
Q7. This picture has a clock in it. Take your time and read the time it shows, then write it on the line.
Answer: 7:53
